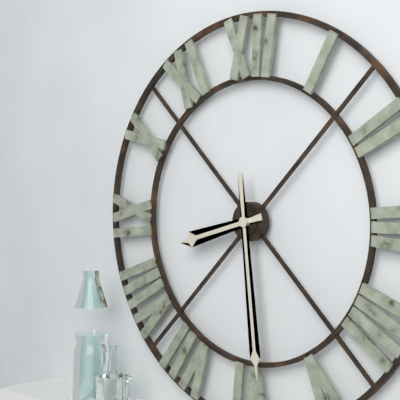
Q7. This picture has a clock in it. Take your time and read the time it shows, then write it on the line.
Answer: 8:29
